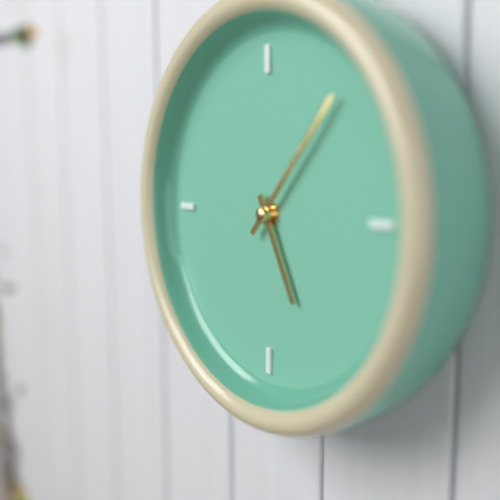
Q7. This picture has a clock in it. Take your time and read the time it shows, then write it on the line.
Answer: 5:07
